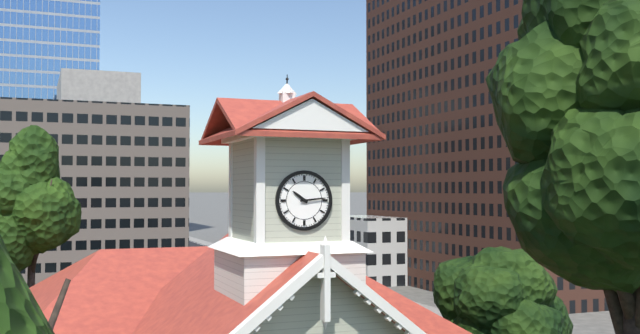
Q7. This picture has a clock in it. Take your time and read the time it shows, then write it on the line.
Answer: 10:14
